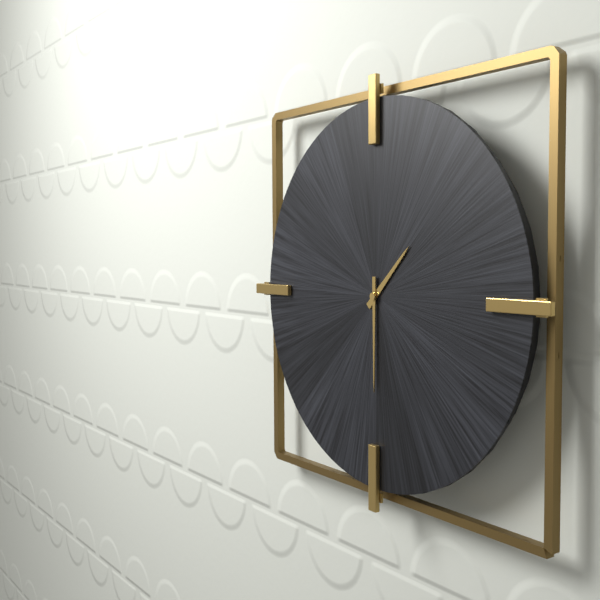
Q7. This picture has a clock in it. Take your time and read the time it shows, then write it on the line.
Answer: 1:30
